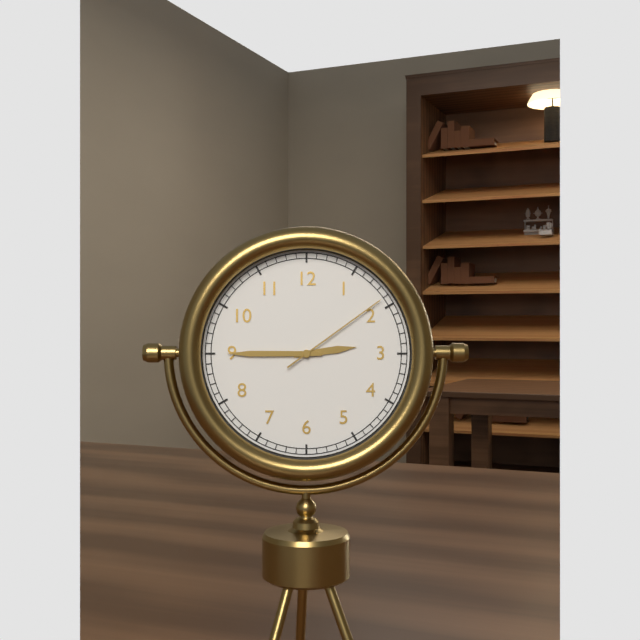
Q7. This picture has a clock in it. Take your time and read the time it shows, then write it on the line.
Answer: 2:45:09
